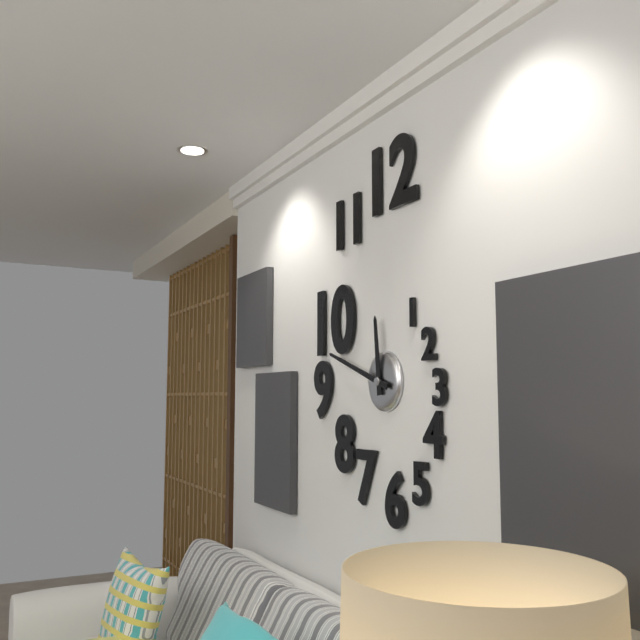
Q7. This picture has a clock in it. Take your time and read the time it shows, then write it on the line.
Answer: 11:48
